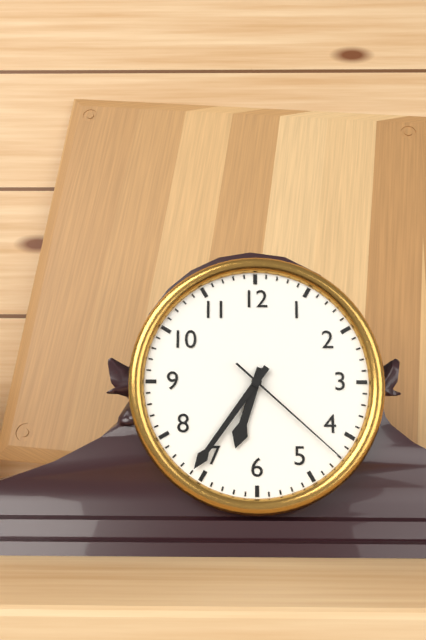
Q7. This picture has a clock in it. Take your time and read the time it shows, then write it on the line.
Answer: 6:36:22
